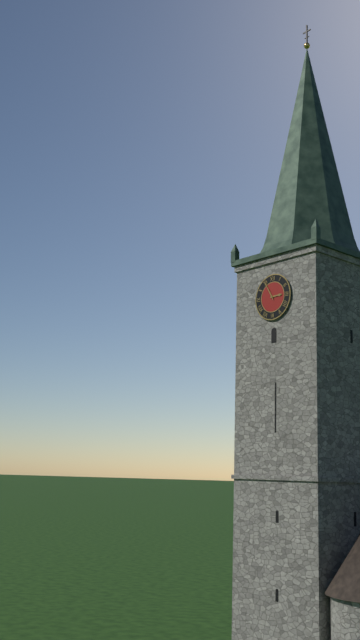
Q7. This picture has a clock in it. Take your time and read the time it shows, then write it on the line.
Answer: 2:55
